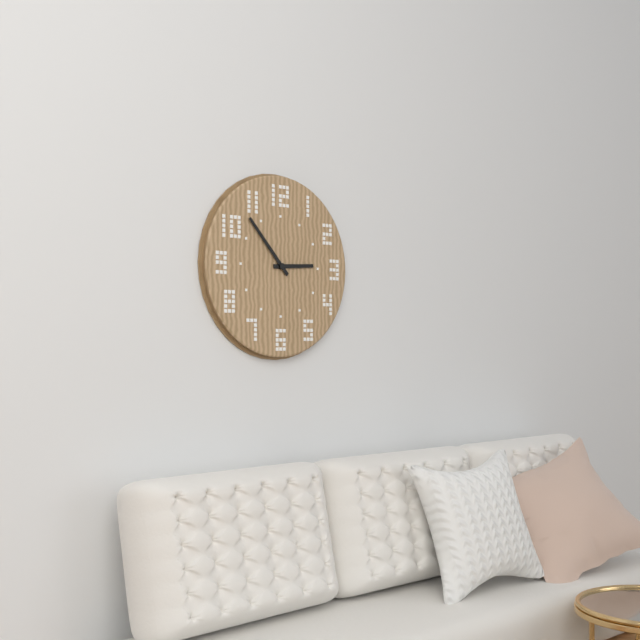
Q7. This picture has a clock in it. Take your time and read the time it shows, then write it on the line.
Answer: 2:53
